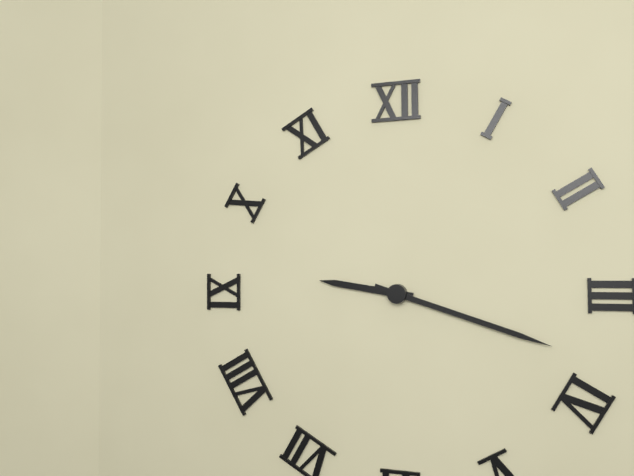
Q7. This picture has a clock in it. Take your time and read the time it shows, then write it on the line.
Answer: 9:18
